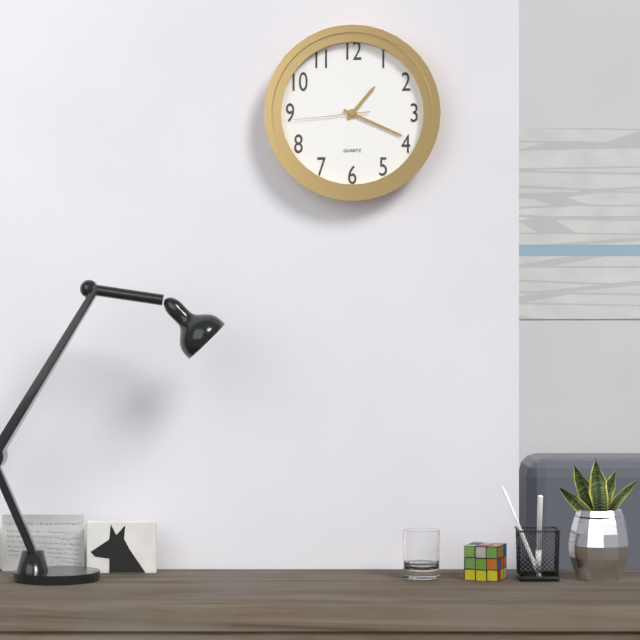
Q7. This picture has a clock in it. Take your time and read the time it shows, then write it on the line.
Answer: 1:19:44
